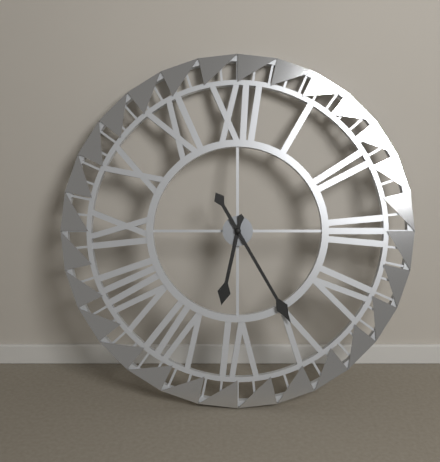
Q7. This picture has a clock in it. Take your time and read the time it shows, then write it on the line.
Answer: 6:25
